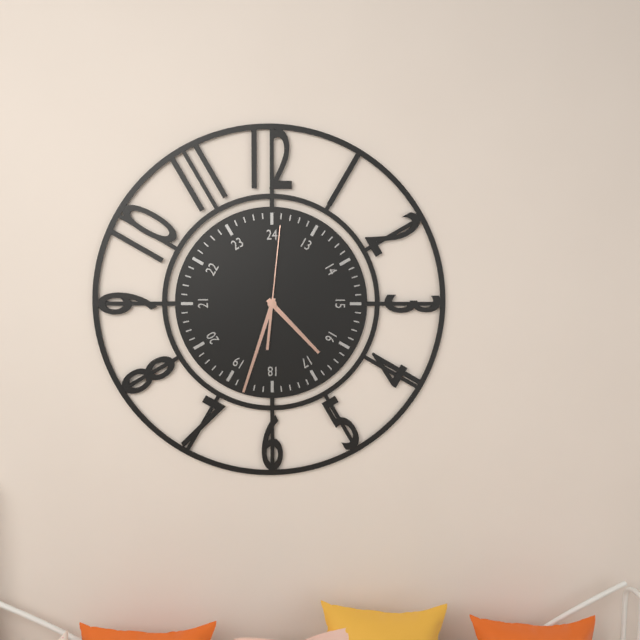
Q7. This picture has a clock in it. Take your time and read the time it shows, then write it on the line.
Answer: 4:33:01
